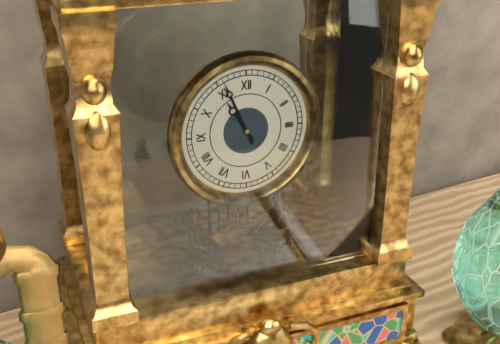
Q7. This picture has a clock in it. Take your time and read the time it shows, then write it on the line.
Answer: 10:56
